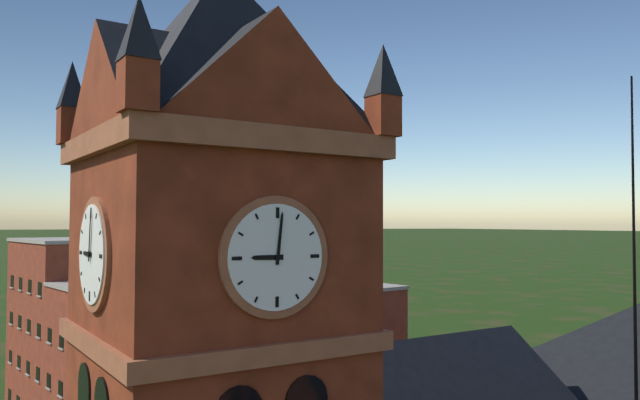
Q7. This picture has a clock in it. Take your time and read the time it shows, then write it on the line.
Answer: 9:01
